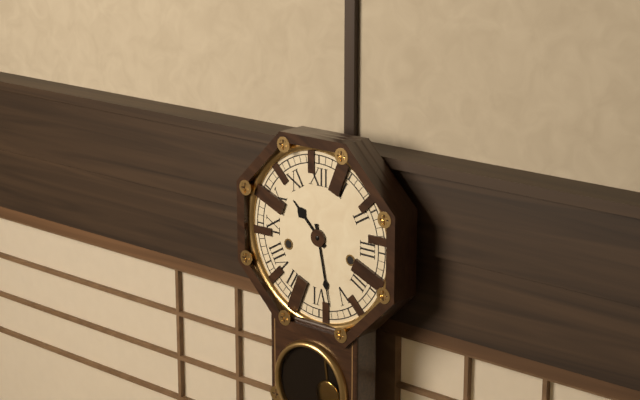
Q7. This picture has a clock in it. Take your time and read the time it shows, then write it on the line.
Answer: 10:28
